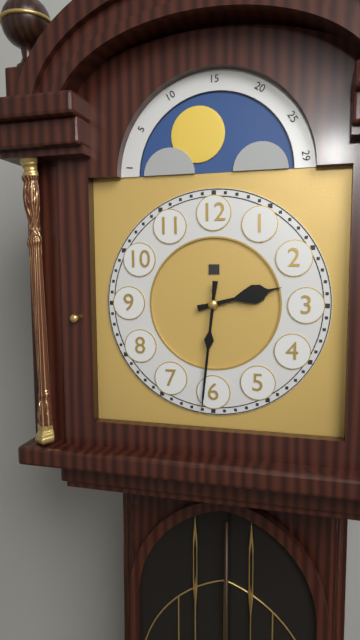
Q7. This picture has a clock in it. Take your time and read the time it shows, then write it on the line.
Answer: 2:31
